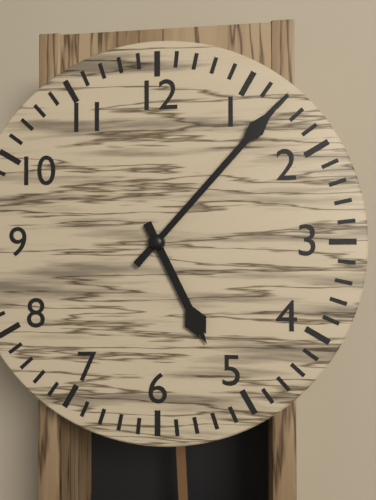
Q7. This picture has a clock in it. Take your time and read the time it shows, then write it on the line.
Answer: 5:07
